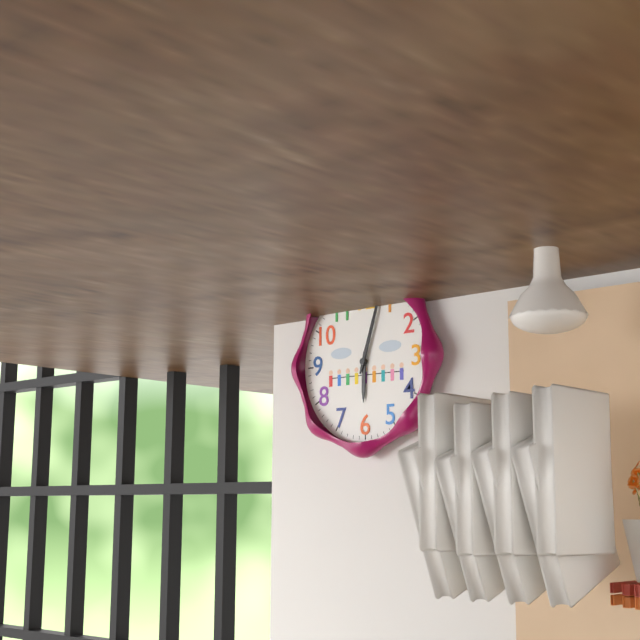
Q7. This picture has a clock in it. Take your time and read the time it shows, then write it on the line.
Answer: 6:03
